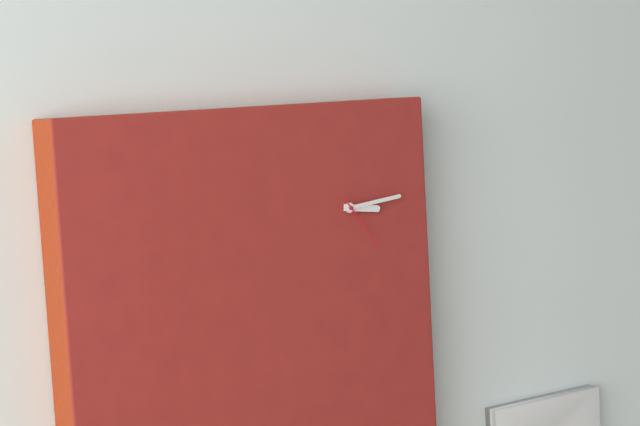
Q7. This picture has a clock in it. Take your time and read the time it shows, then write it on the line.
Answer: 3:14:24
